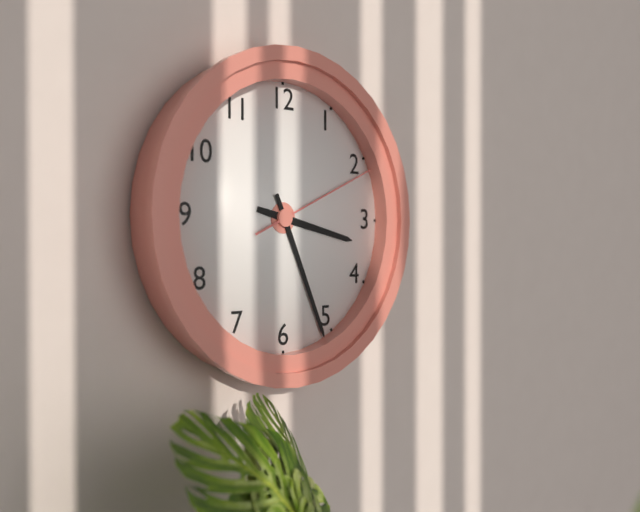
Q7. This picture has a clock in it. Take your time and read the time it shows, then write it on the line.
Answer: 3:26:11
